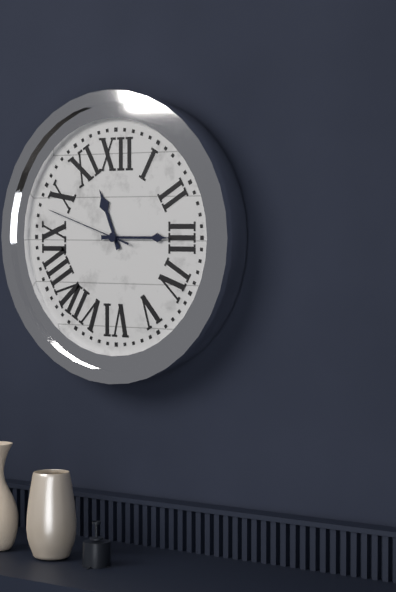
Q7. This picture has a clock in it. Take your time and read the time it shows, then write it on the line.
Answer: 11:15:48
